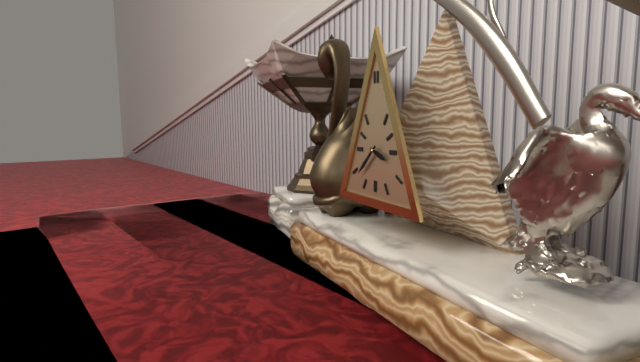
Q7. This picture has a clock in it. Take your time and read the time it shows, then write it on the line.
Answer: 3:38
